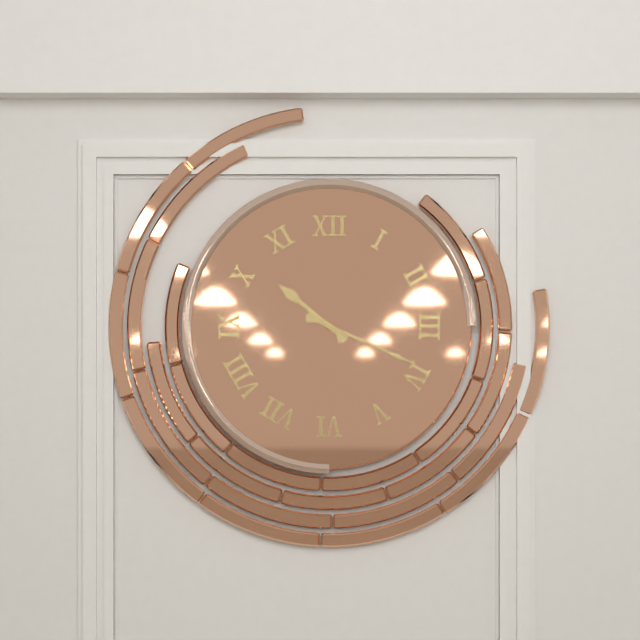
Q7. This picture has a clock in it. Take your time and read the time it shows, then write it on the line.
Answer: 10:19
